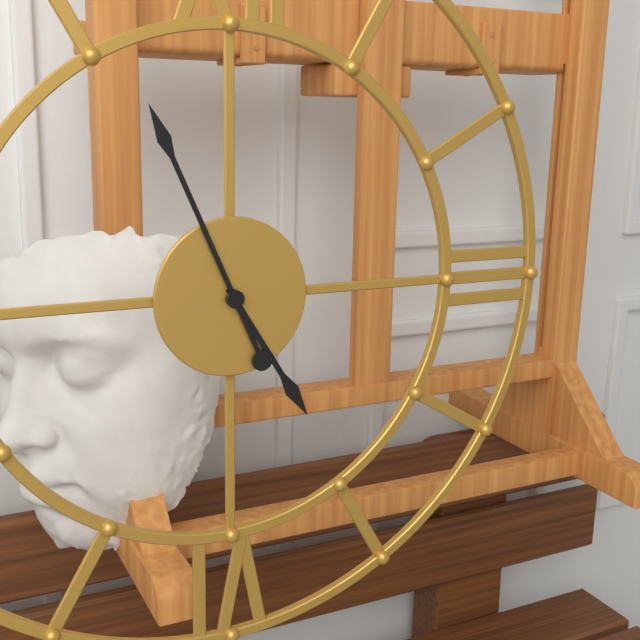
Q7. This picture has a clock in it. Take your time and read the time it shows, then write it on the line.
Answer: 4:56
